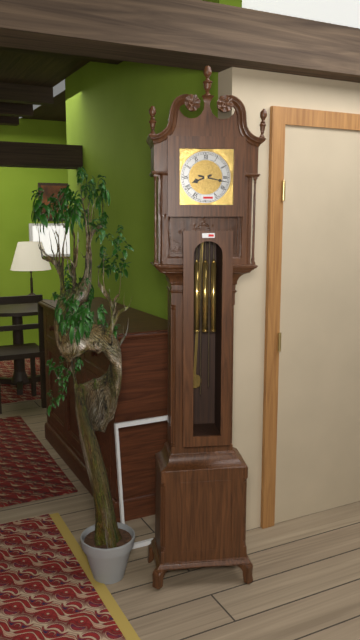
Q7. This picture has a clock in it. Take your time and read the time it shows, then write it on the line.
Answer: 8:17
